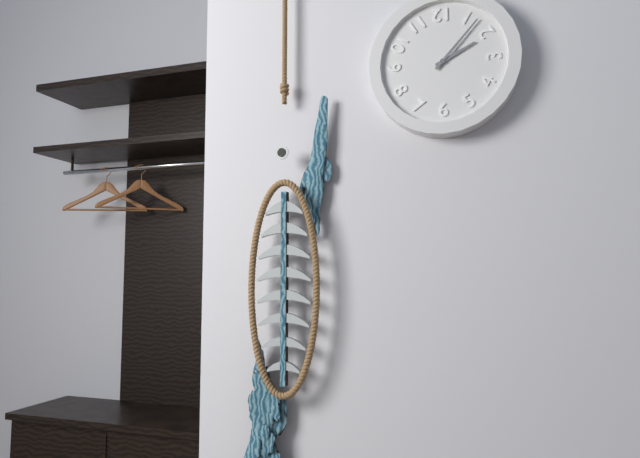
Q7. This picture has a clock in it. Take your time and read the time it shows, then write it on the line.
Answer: 2:07
